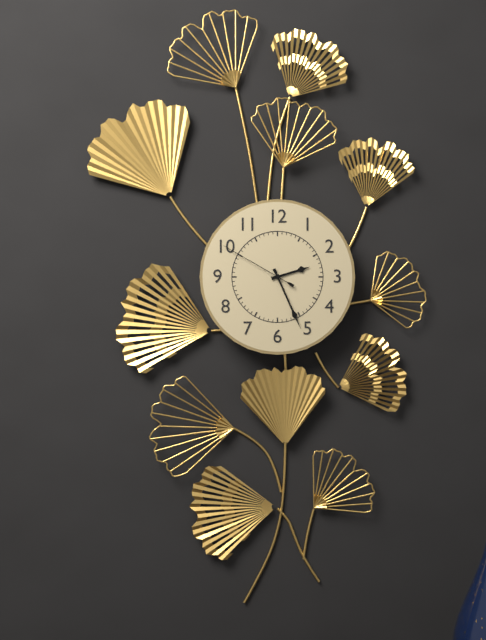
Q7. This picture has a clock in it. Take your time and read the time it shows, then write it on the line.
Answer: 2:26:50
